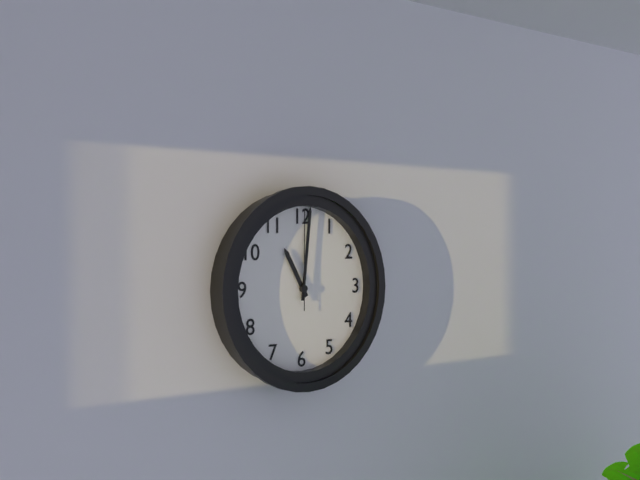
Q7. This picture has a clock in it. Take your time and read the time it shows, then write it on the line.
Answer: 11:01:00
